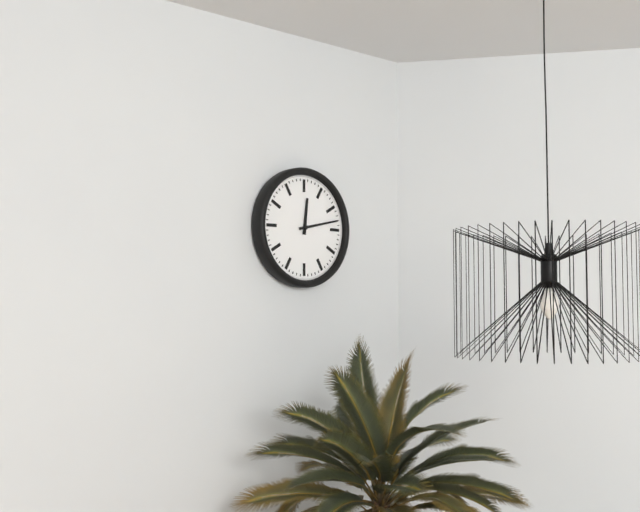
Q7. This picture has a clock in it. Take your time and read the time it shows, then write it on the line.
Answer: 12:13
